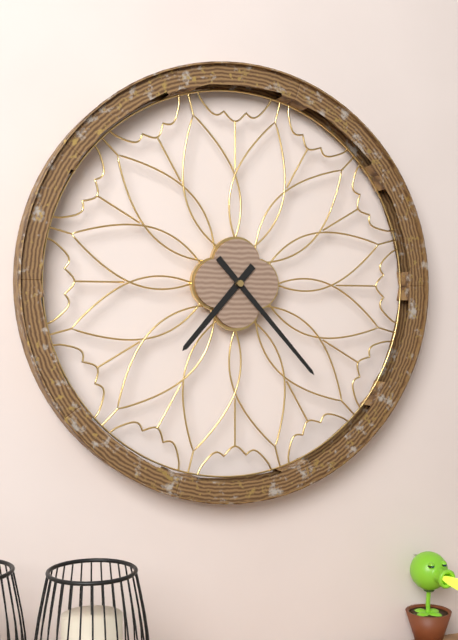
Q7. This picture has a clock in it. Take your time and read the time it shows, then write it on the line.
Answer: 7:23
